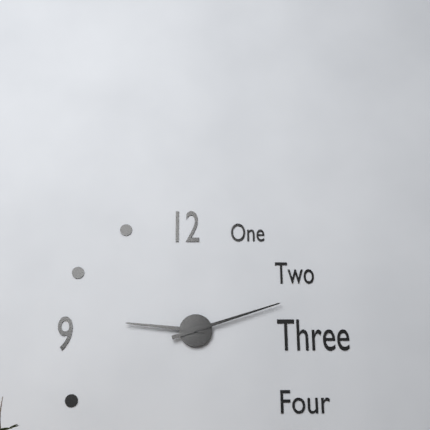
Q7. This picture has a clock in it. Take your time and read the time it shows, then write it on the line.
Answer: 9:12
